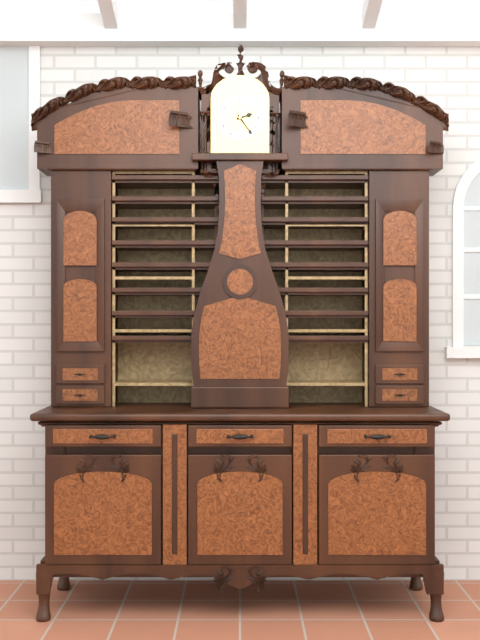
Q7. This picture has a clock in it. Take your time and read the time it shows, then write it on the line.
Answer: 2:24
